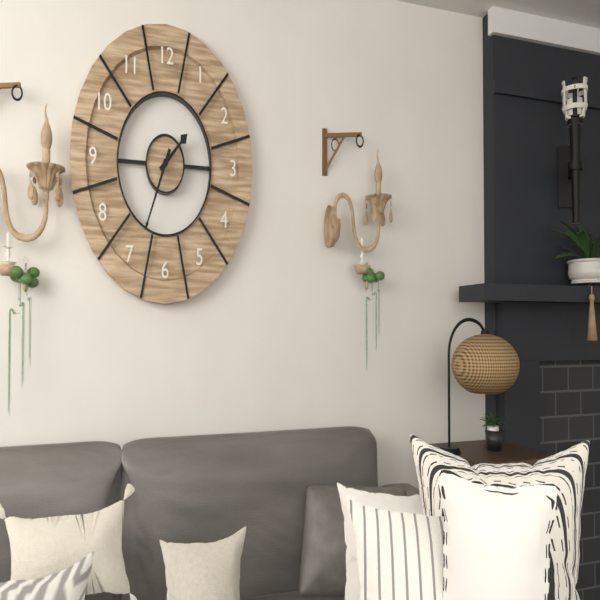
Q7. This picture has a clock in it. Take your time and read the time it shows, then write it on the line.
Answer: 1:34
